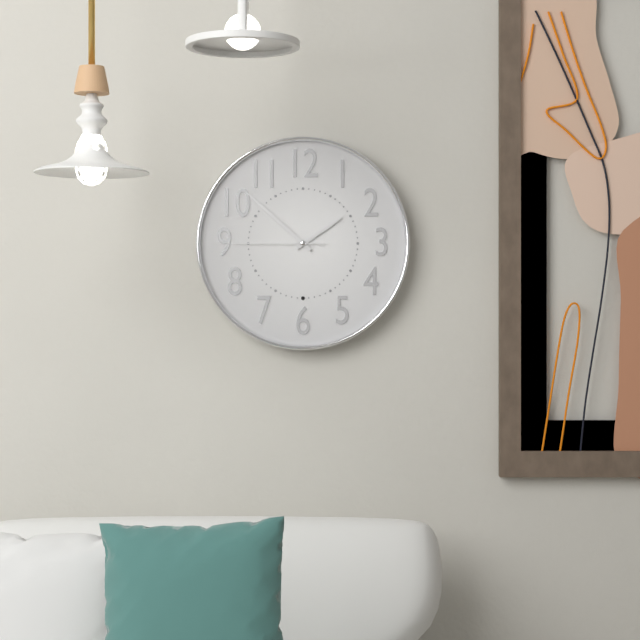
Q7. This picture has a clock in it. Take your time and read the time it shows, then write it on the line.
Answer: 1:52:45
